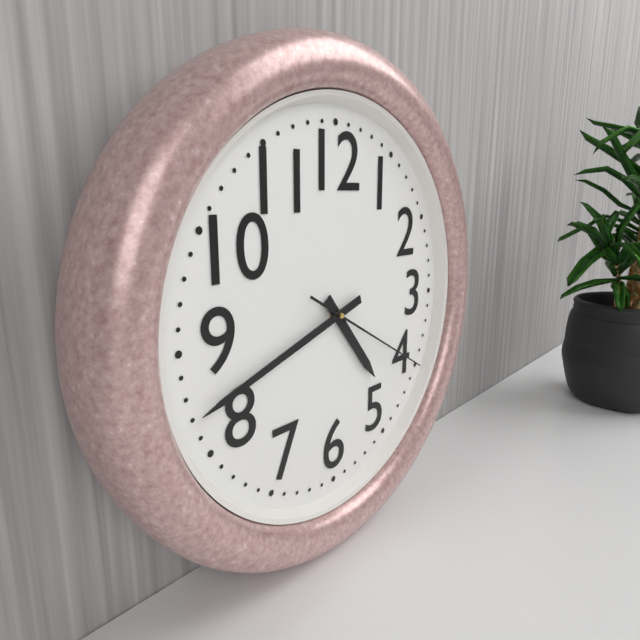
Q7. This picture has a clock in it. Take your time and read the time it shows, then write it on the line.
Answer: 4:42:20
